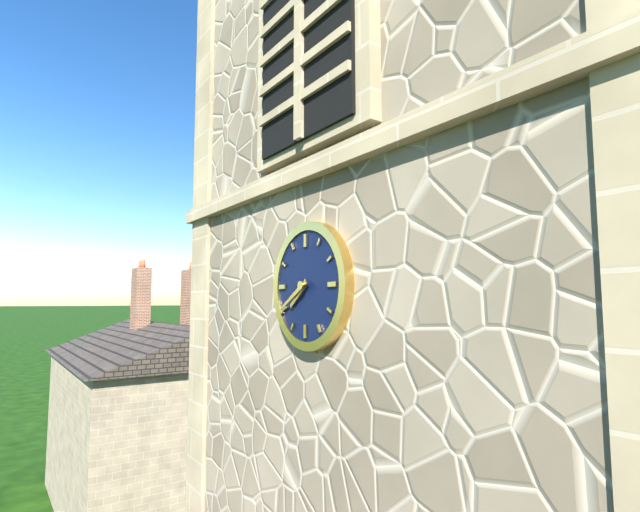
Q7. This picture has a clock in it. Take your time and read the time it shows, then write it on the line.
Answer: 7:40
